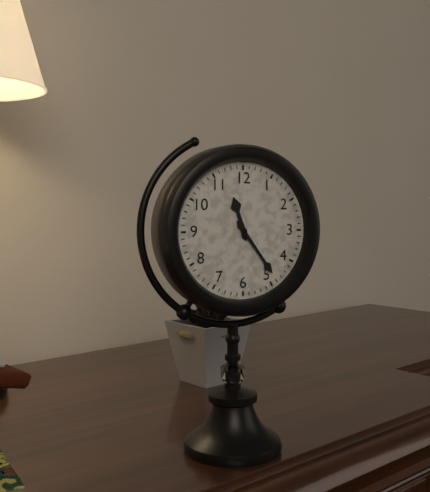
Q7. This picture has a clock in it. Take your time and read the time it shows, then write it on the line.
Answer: 11:24
